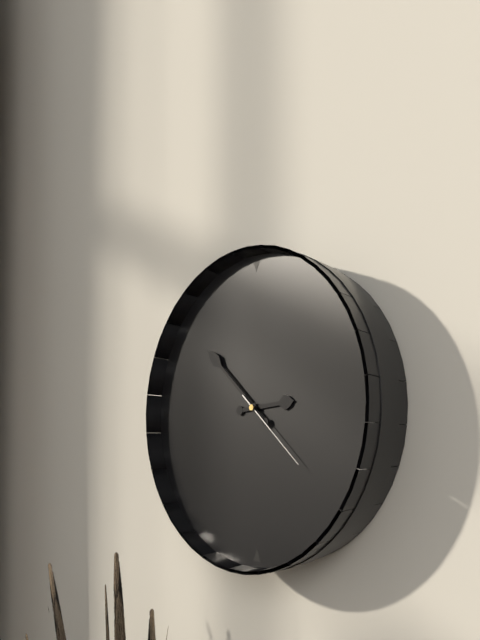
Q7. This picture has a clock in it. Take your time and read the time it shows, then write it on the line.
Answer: 2:52:22
